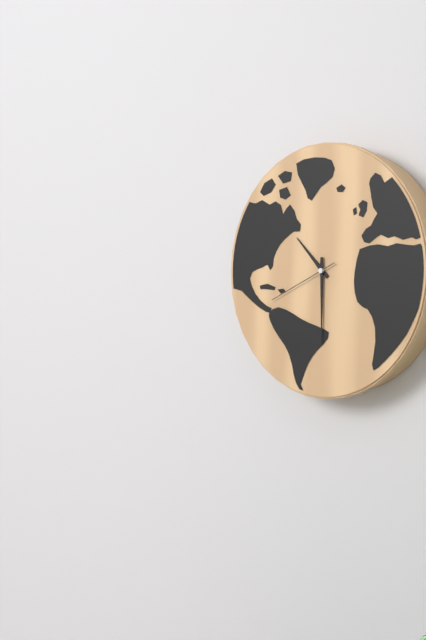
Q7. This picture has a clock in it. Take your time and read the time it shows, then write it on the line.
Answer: 10:30:41
